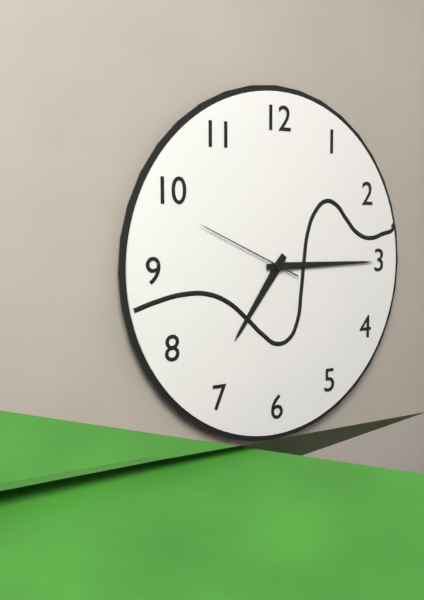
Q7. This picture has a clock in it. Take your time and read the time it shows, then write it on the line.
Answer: 7:15:49
